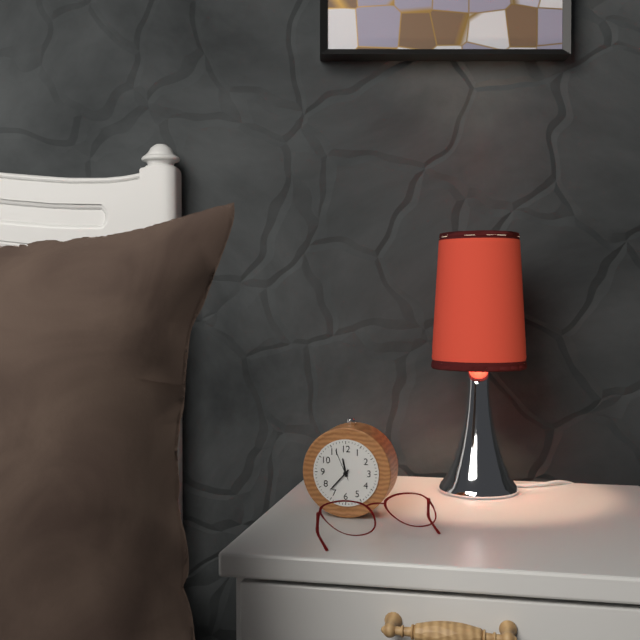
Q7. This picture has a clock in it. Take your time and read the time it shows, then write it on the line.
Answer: 11:37
